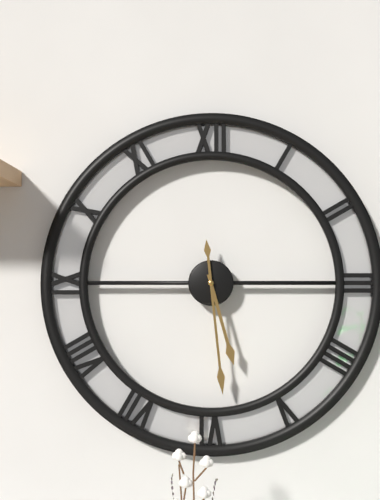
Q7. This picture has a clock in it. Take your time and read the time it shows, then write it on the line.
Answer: 5:29
